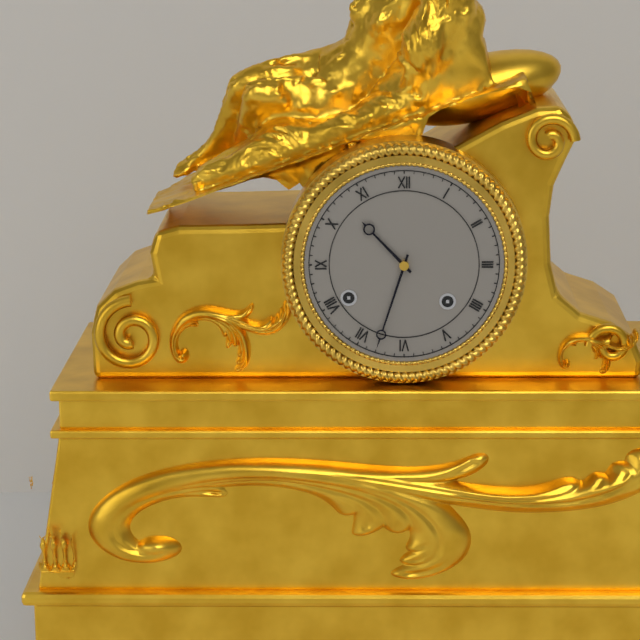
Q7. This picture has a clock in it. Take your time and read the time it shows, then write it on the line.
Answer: 10:33
